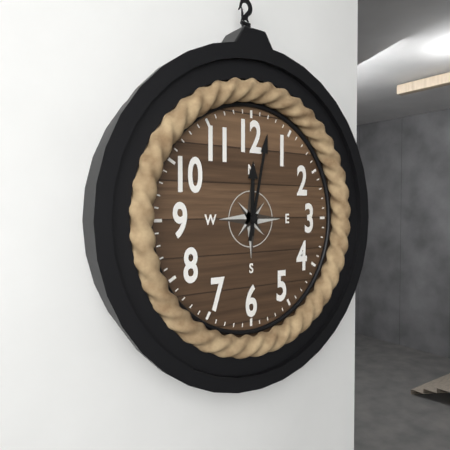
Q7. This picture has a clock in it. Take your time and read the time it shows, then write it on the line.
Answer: 12:02
